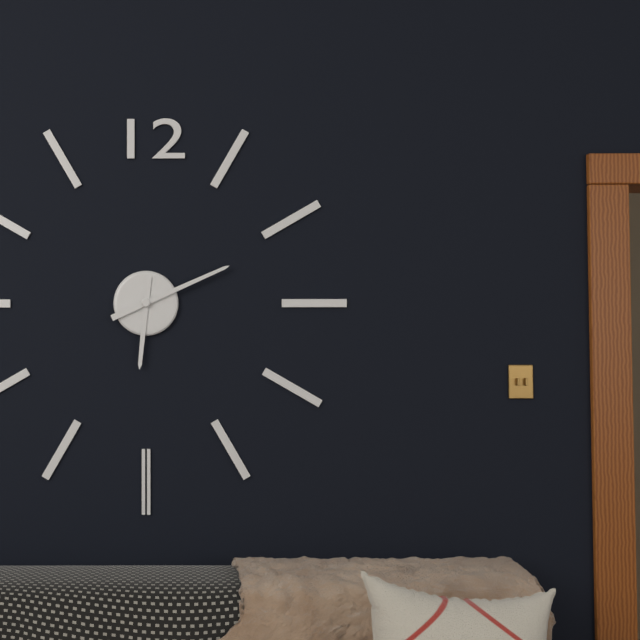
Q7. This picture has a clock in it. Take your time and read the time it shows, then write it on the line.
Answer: 6:11
